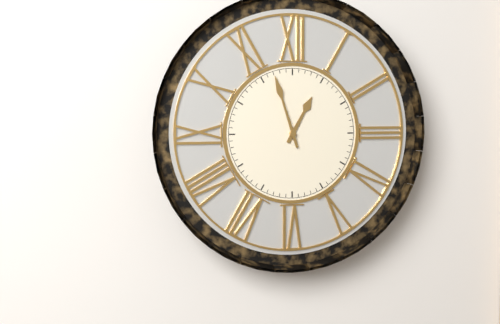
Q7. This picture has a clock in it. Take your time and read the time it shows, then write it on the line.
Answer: 12:57
